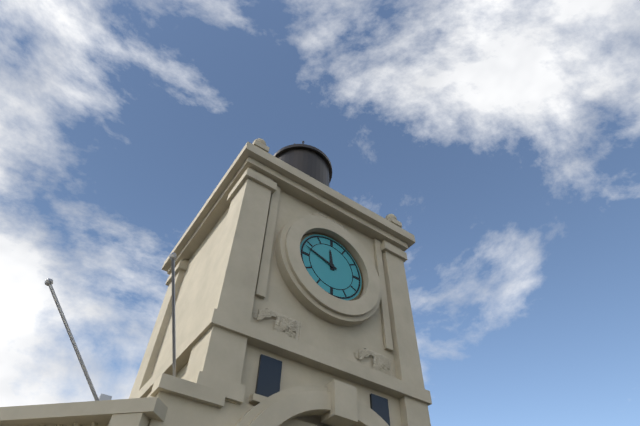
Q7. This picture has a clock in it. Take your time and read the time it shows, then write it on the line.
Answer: 11:48
